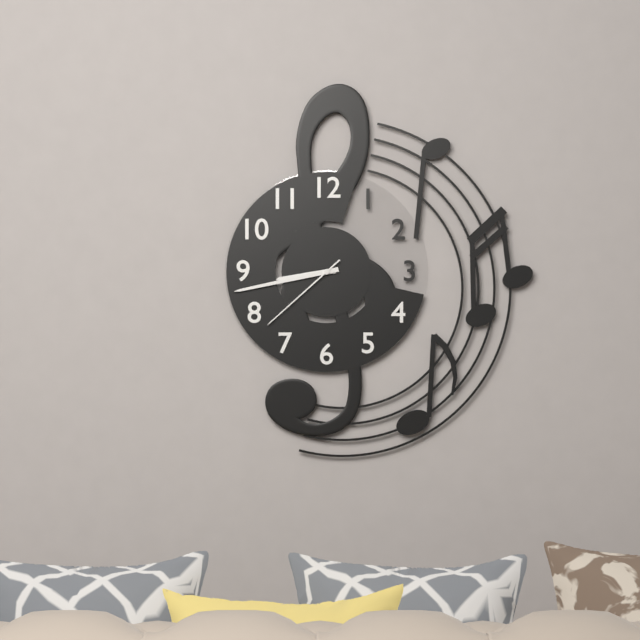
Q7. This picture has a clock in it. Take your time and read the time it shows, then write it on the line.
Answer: 8:43:38
